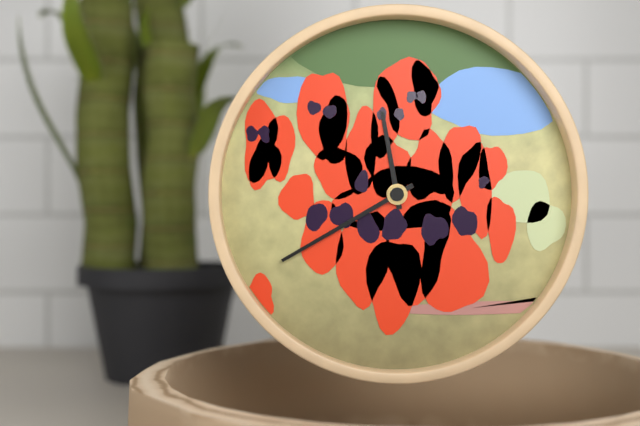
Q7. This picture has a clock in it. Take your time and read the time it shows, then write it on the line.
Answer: 11:40
